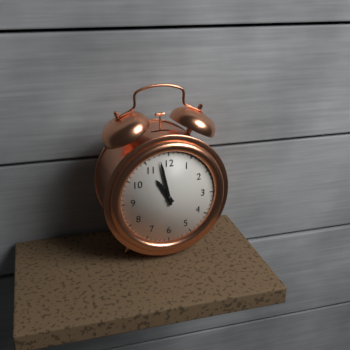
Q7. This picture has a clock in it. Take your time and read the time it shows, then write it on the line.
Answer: 10:58
